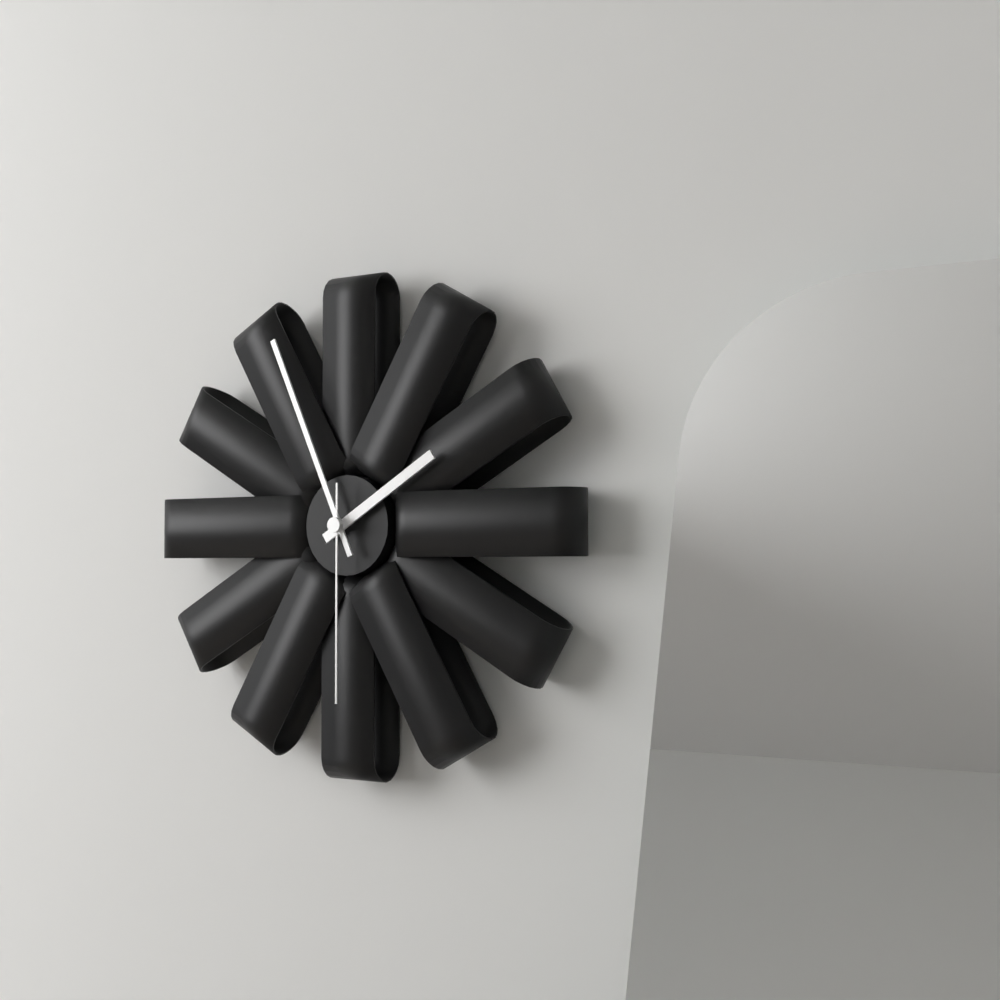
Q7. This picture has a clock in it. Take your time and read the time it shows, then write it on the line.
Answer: 1:56:30
